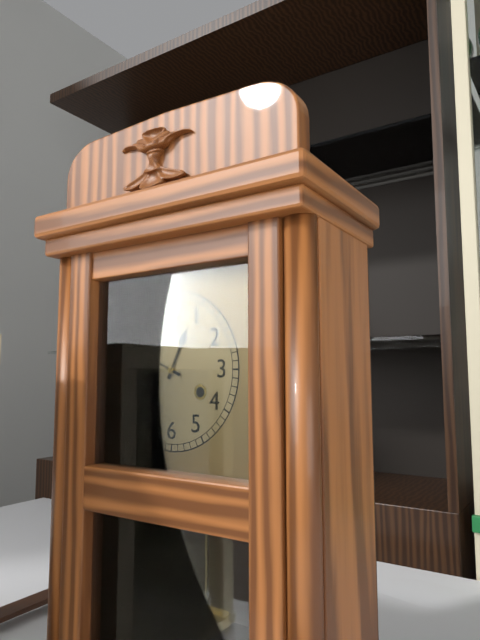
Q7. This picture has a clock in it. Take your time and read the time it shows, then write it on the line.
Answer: 12:49
